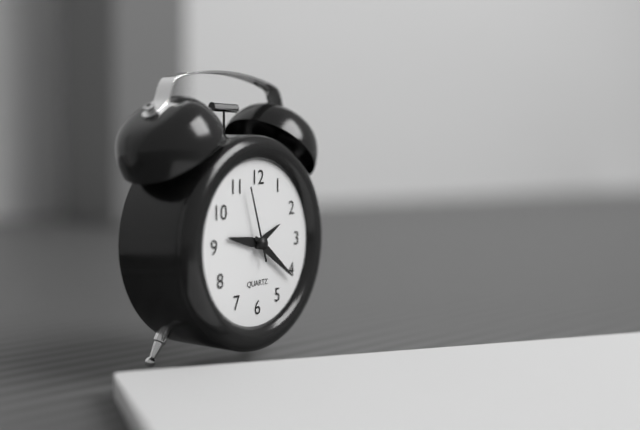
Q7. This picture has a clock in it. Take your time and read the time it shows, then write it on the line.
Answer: 9:21:57
